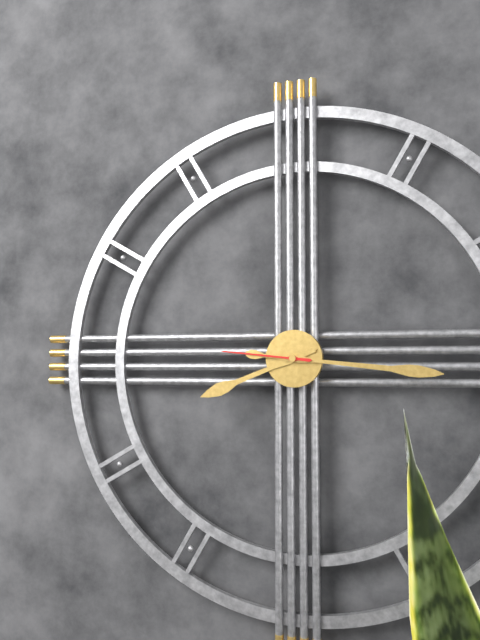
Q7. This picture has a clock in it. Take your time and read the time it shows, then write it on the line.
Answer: 8:16:46
